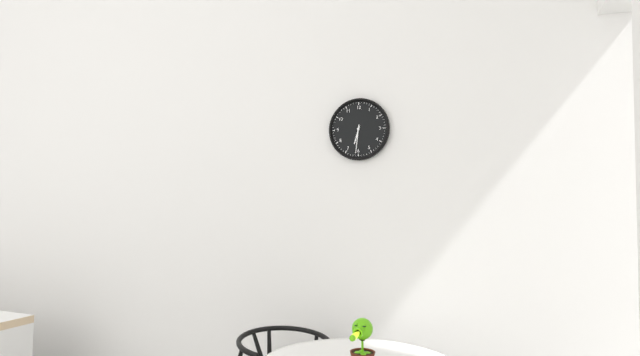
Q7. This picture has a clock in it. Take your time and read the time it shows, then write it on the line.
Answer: 6:31
